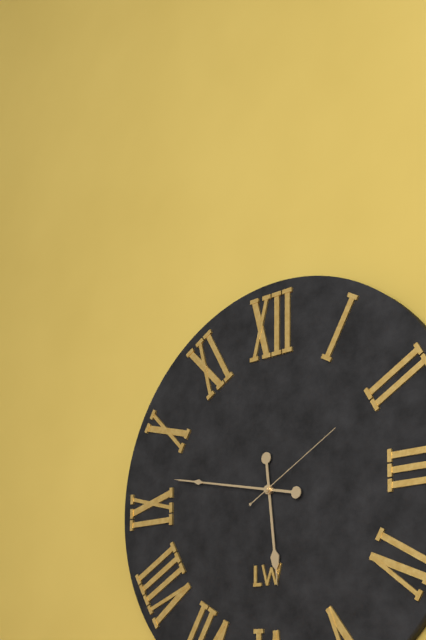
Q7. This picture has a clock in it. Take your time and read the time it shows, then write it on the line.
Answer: 5:47:10
